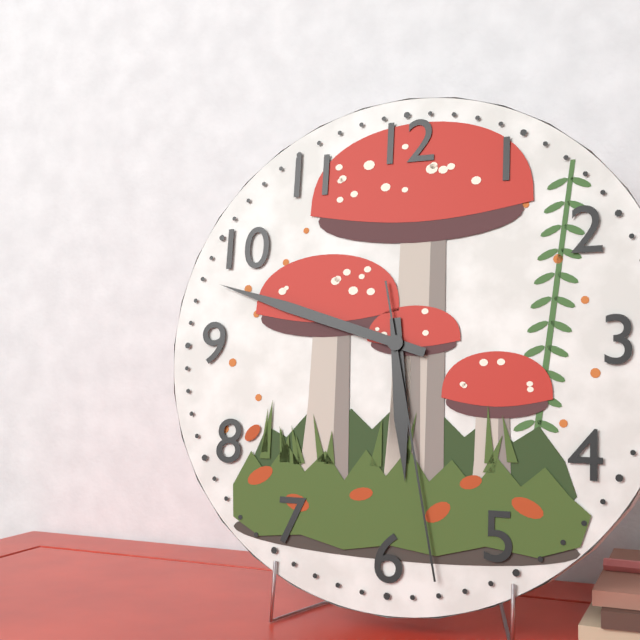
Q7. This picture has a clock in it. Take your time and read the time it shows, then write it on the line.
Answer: 5:48:28
